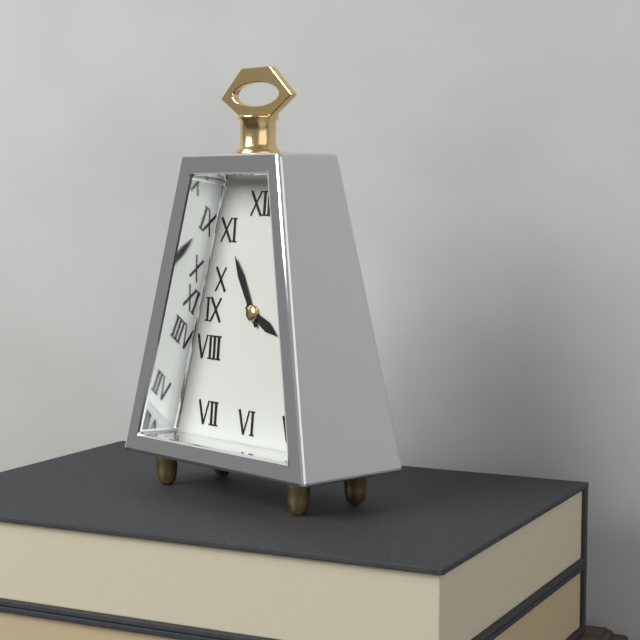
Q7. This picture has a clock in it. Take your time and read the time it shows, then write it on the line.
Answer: 3:55
